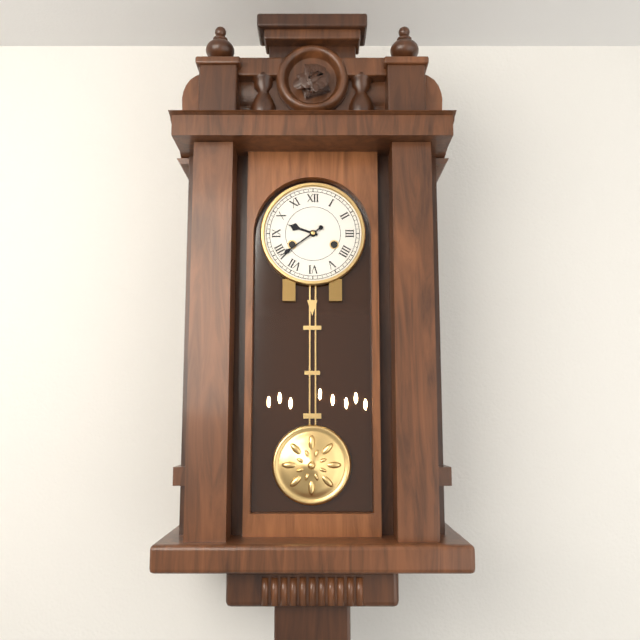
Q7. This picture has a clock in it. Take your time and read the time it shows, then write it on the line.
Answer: 9:39
